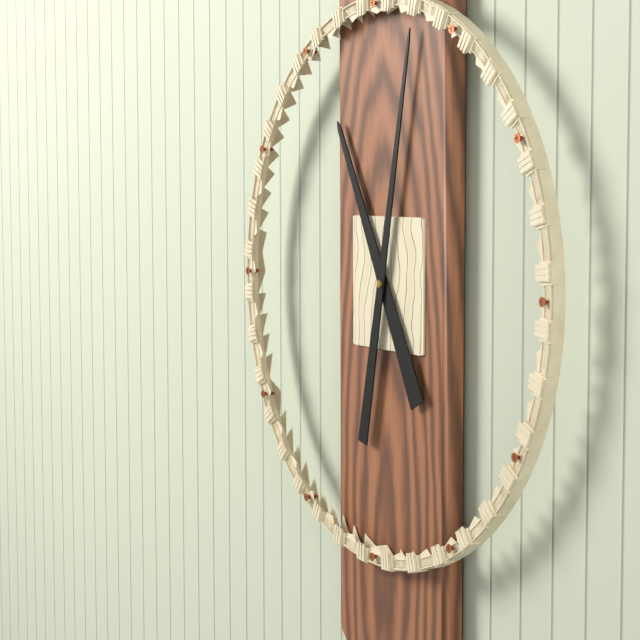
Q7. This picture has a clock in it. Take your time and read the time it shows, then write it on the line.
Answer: 11:02
